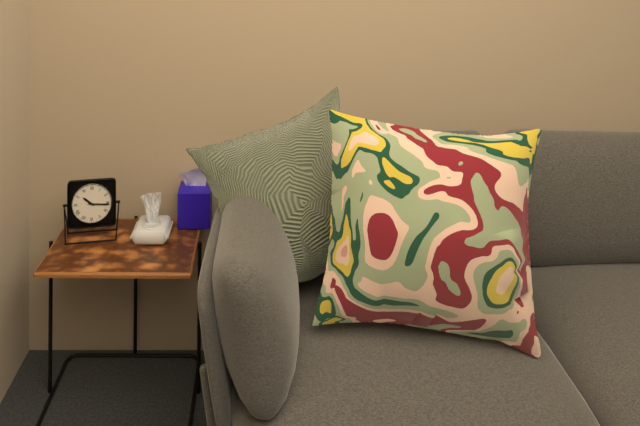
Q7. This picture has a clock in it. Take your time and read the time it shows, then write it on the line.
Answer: 10:16
